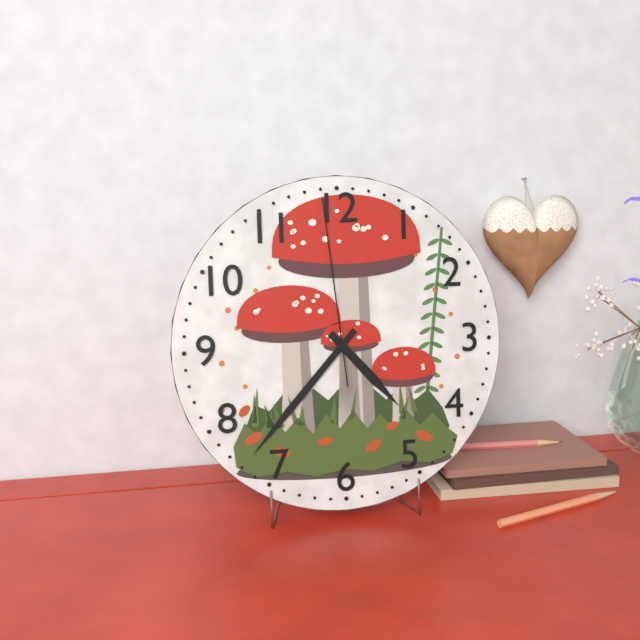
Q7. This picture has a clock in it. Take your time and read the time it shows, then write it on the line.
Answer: 4:37:59
